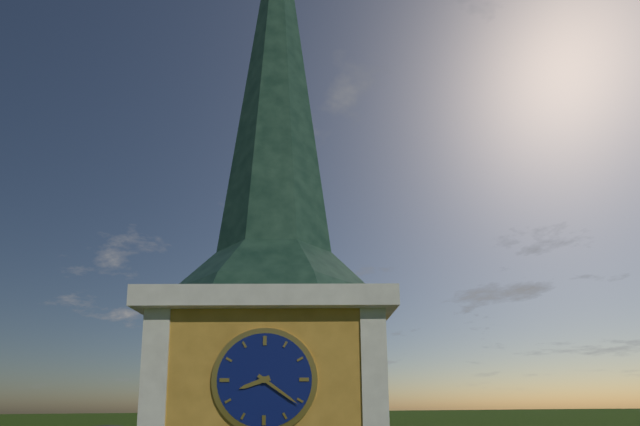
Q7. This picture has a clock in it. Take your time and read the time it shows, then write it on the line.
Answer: 8:21
